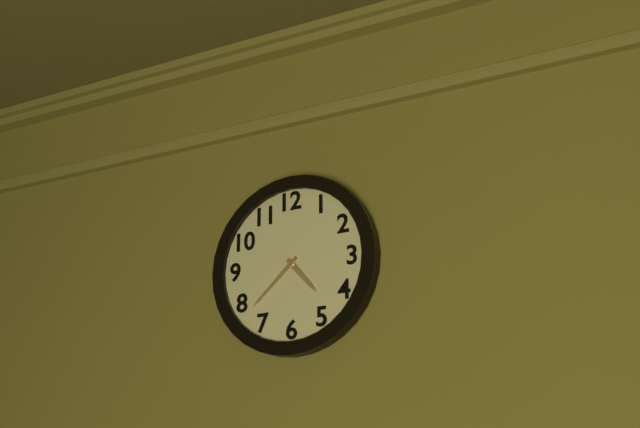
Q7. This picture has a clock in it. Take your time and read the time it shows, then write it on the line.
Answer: 4:38
